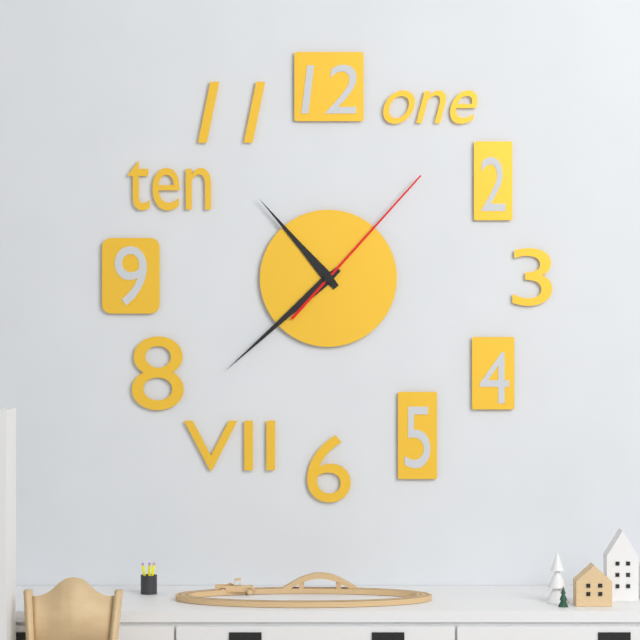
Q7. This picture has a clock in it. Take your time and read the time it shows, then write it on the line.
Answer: 10:38:07
